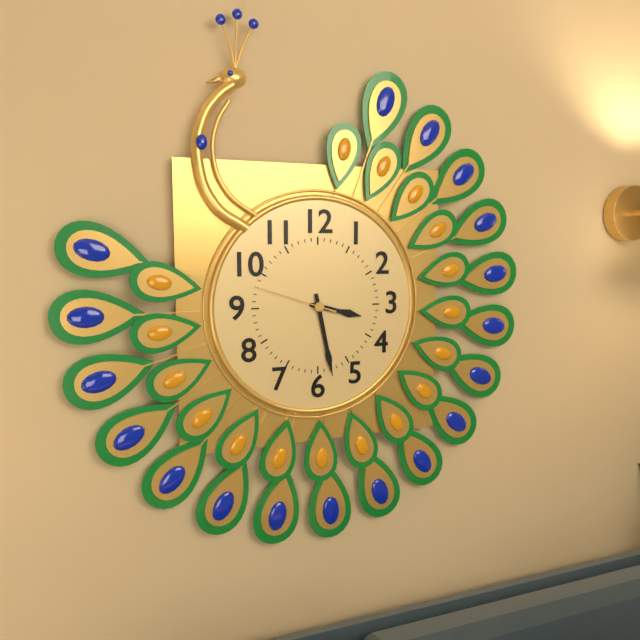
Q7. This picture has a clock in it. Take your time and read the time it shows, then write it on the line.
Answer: 3:28:48
